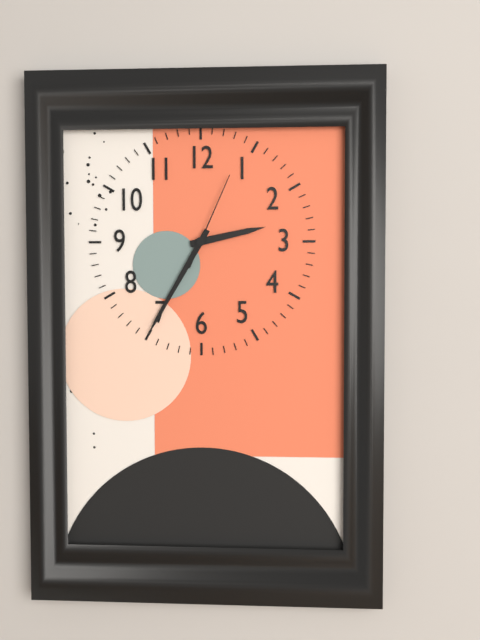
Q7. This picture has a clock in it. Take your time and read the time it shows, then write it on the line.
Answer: 2:35:04
